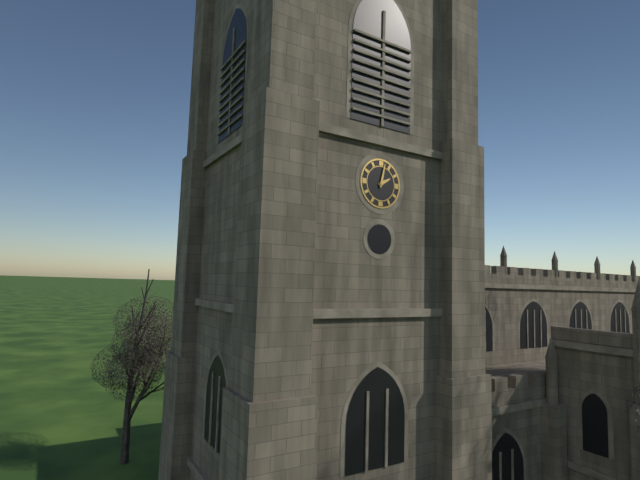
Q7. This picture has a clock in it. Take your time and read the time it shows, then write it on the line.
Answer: 2:02
